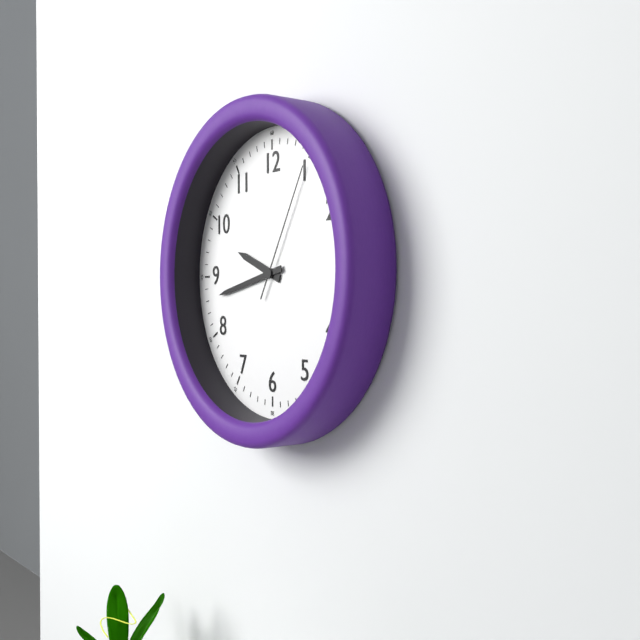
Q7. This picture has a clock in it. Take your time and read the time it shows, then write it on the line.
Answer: 9:43:05
